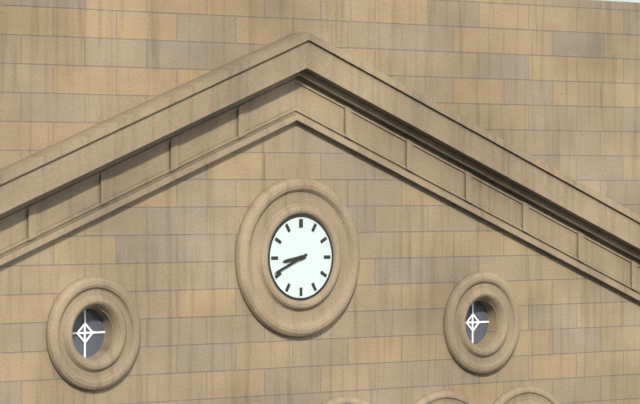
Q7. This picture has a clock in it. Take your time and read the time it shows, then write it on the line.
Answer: 8:41
